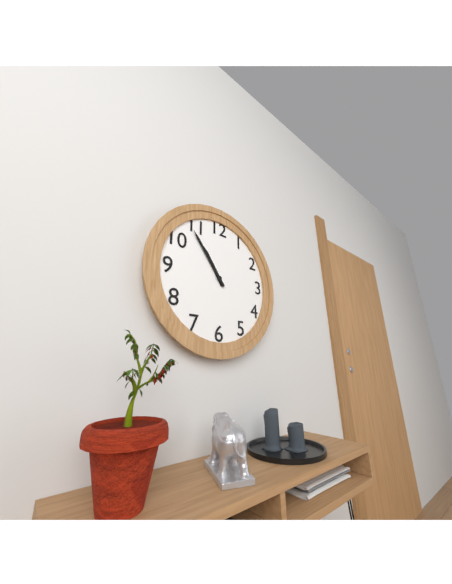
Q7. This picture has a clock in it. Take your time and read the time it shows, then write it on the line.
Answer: 10:54
